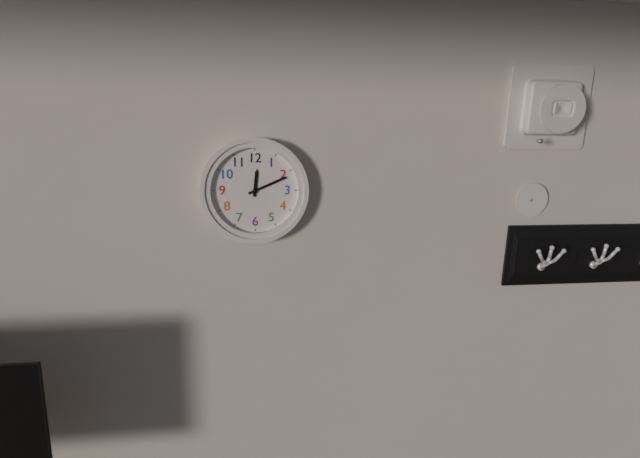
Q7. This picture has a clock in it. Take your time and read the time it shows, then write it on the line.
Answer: 12:11
